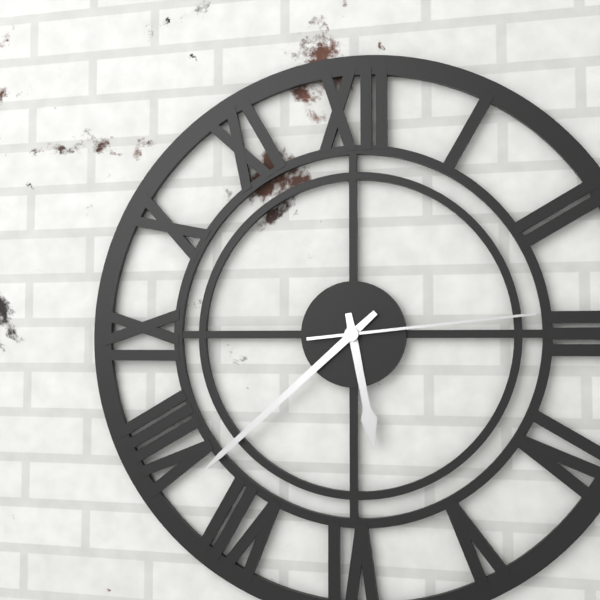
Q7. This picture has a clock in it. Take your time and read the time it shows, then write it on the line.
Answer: 5:38:14
